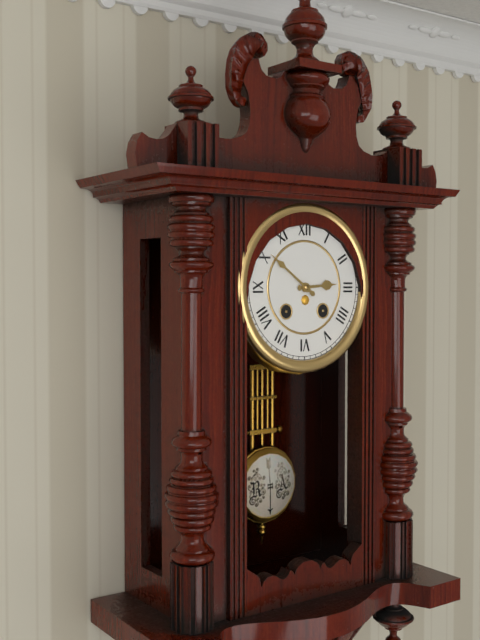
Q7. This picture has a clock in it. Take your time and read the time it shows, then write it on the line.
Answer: 2:51
